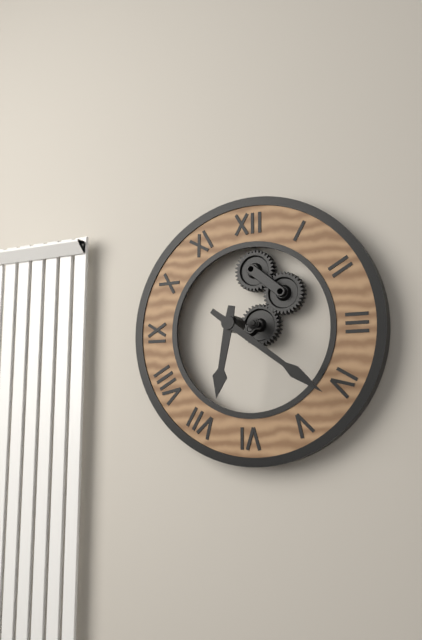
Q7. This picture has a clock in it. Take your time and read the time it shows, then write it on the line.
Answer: 6:21
